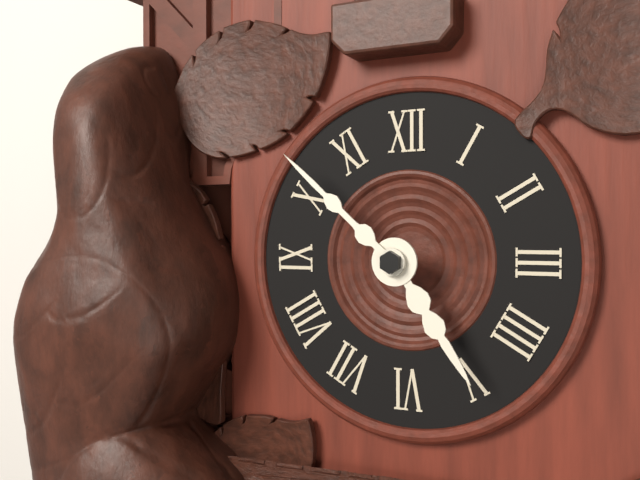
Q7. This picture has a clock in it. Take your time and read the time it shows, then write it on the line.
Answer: 4:52
